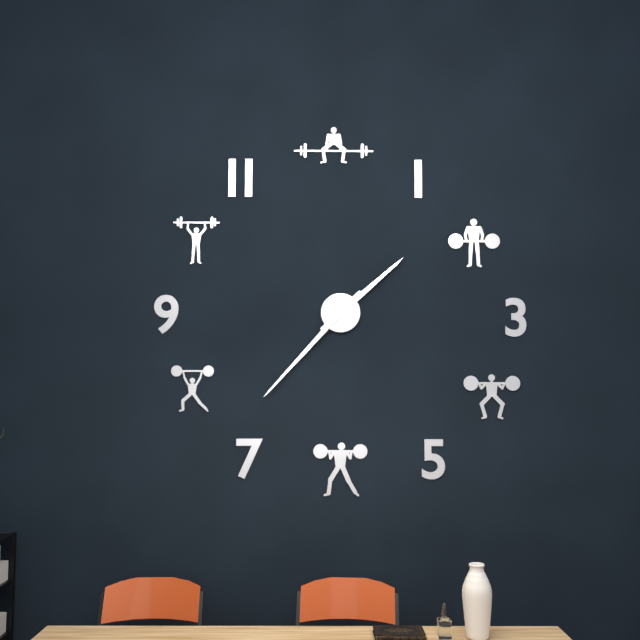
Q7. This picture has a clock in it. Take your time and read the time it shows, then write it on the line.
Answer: 1:37
